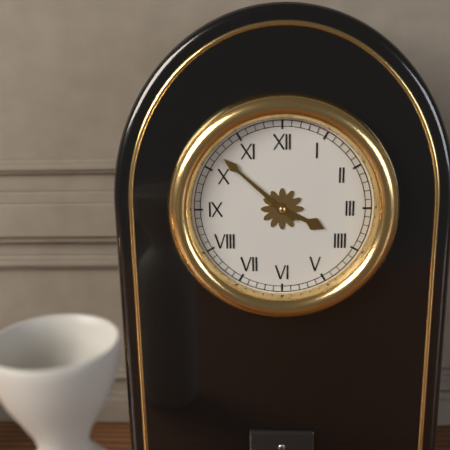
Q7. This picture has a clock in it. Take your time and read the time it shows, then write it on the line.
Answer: 3:52
